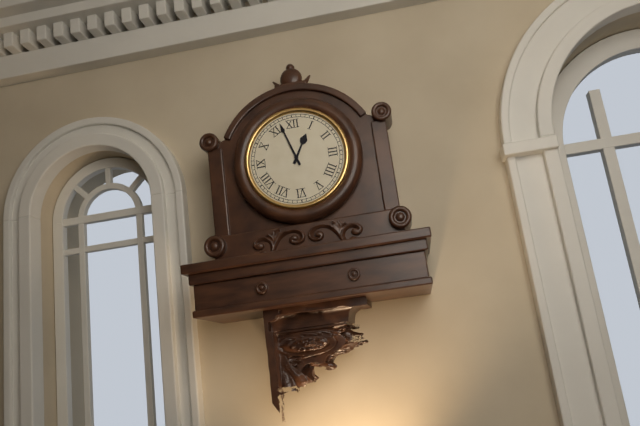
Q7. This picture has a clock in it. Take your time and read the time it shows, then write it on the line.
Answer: 12:57
